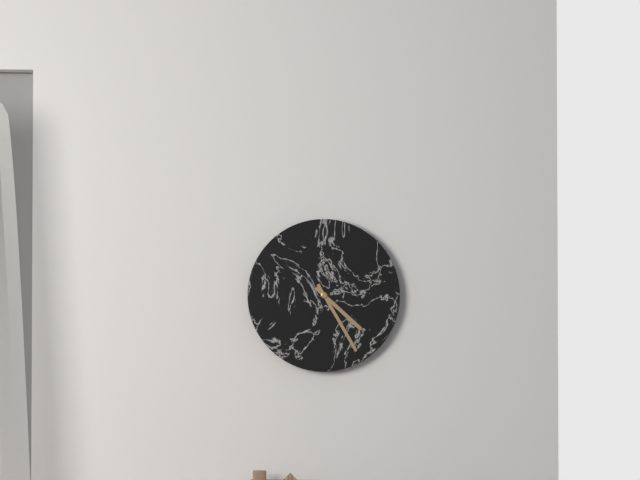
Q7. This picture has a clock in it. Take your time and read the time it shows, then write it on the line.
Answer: 4:25
